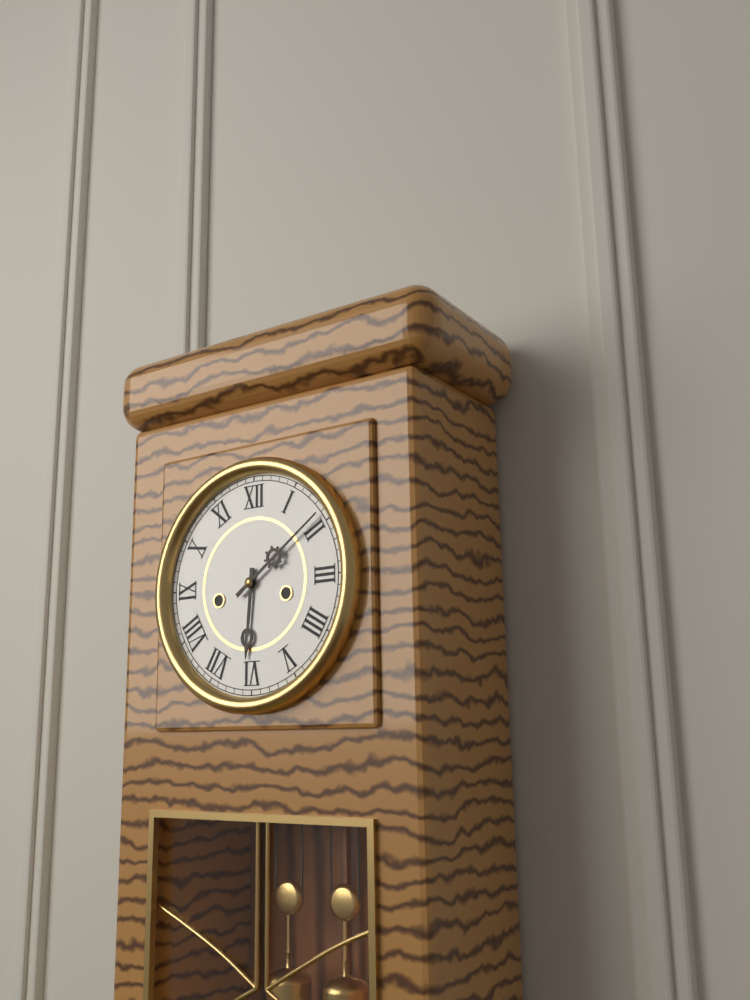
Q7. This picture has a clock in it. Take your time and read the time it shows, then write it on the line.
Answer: 6:09
